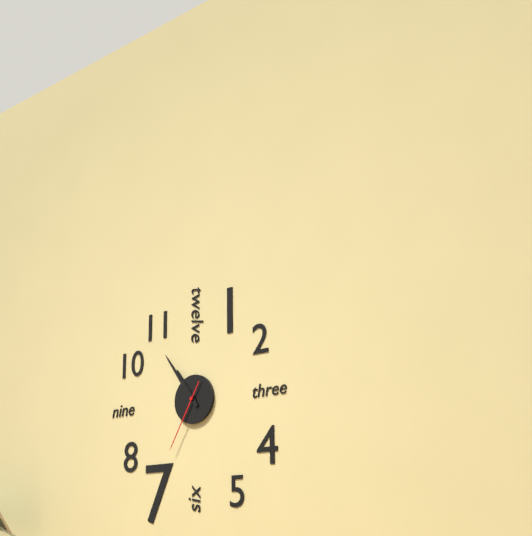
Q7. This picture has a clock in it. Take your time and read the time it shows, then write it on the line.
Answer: 10:54:35
